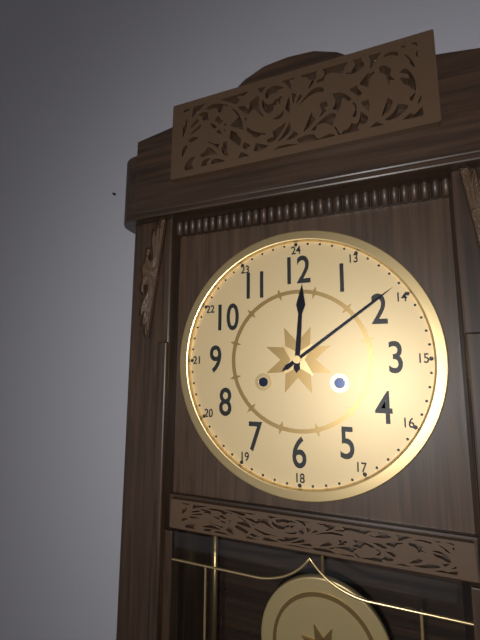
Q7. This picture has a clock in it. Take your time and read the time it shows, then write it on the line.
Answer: 12:09
